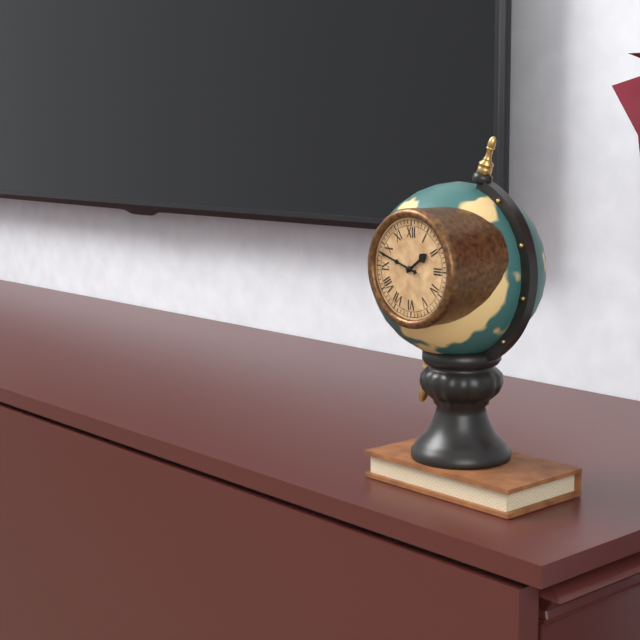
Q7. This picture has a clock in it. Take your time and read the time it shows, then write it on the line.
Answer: 1:48
